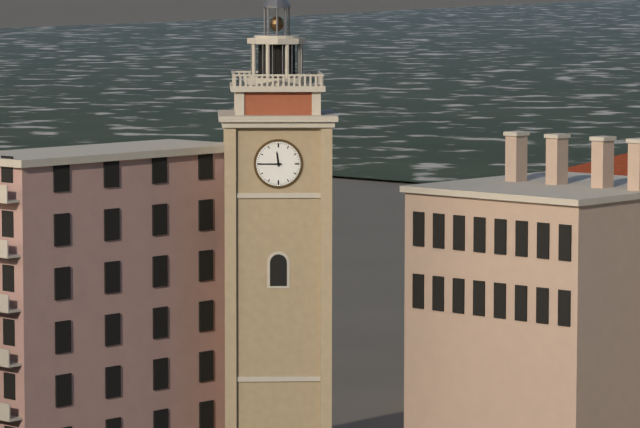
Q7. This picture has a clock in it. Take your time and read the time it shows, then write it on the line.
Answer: 11:45
